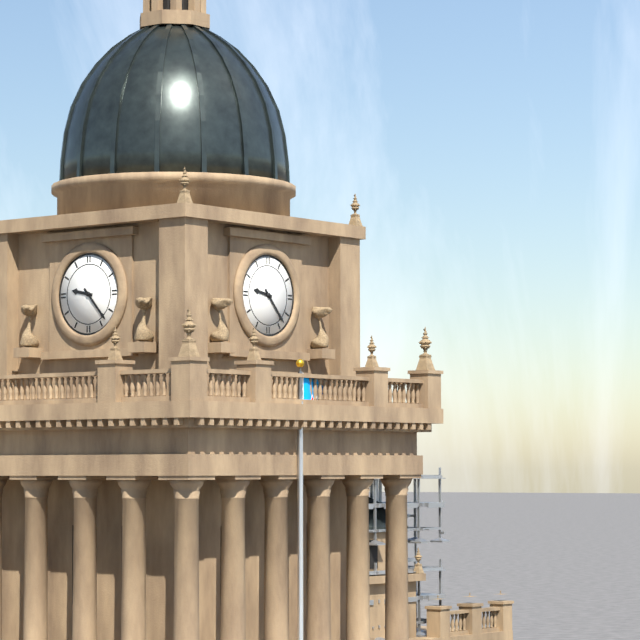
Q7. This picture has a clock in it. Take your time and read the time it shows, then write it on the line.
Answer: 9:23
